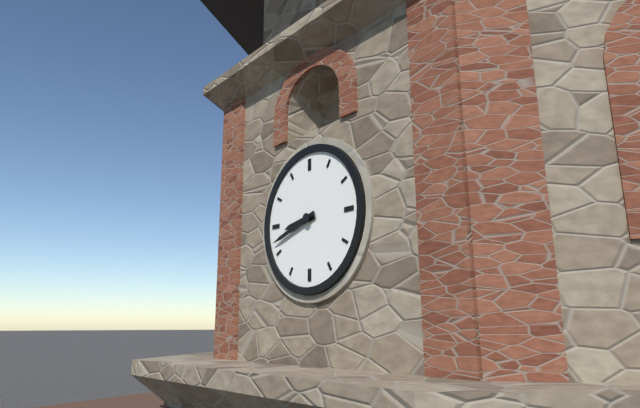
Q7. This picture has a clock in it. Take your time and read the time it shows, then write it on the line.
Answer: 8:42
